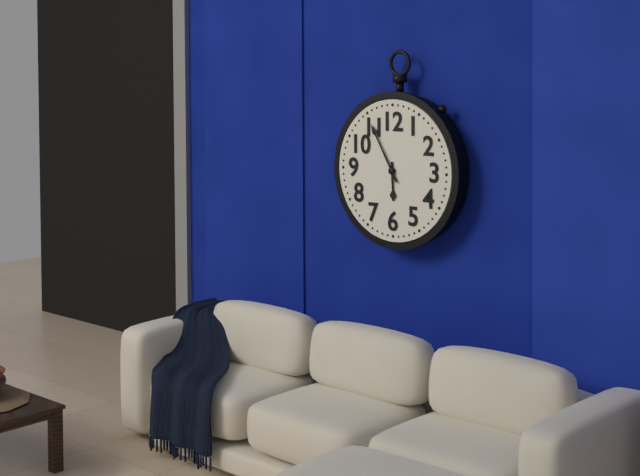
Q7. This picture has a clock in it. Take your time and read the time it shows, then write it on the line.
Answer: 5:55
